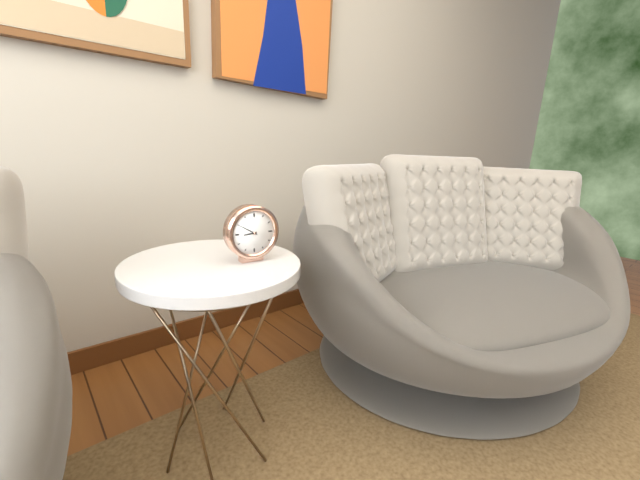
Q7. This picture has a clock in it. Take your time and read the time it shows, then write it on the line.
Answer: 8:50
